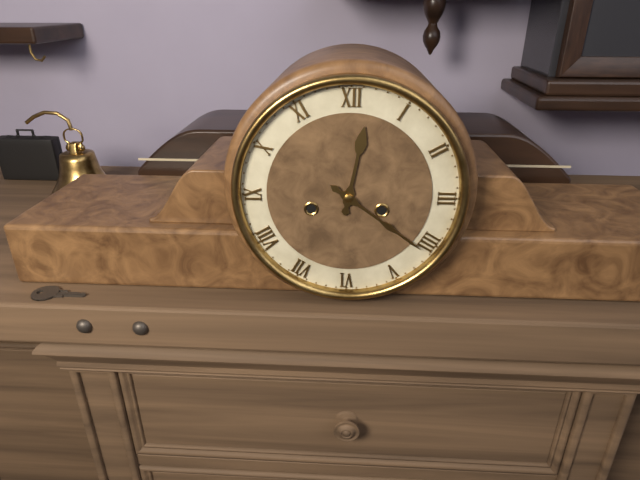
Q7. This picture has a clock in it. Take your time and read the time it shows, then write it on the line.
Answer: 12:21
